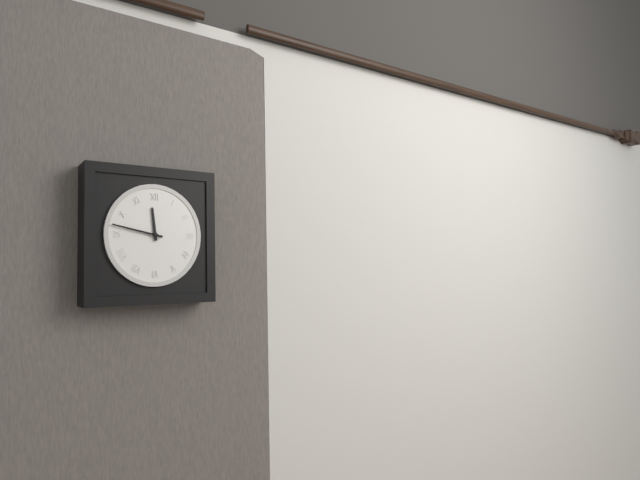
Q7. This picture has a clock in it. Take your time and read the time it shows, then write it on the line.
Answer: 11:47
